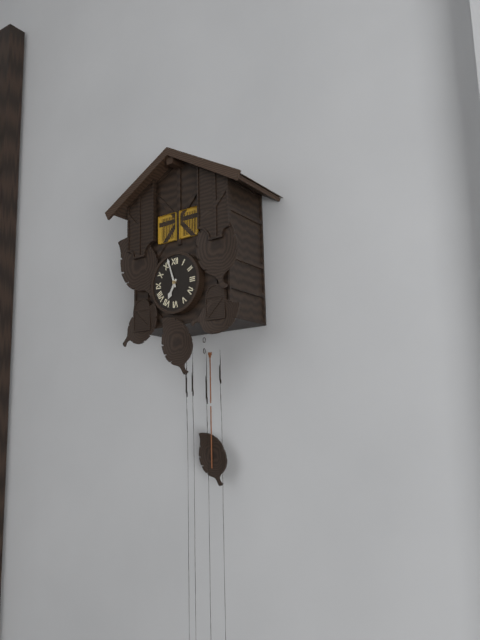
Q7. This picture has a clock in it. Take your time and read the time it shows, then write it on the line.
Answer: 6:57
